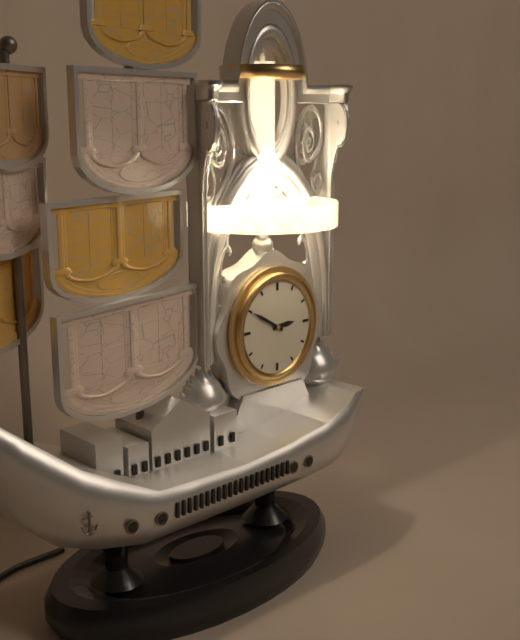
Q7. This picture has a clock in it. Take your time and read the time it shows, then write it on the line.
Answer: 2:50
